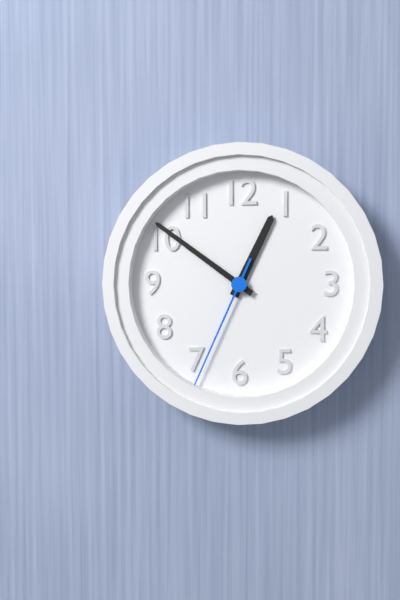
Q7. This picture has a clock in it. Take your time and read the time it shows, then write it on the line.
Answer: 12:51:34
